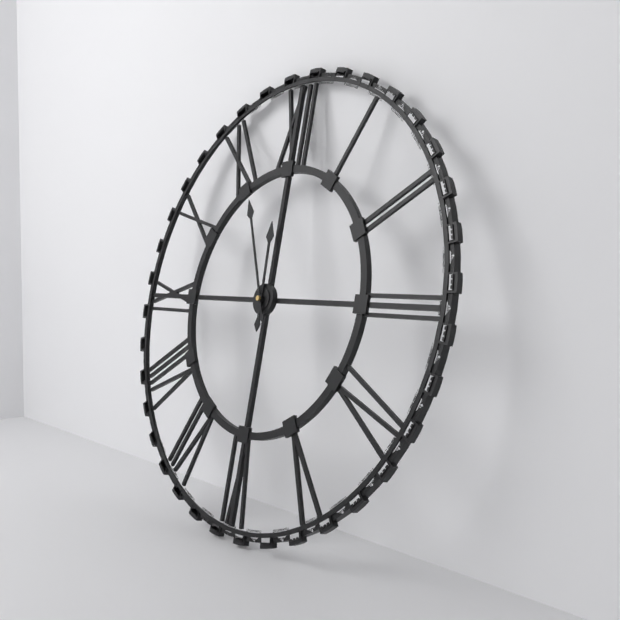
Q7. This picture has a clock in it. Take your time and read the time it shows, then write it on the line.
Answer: 11:56
